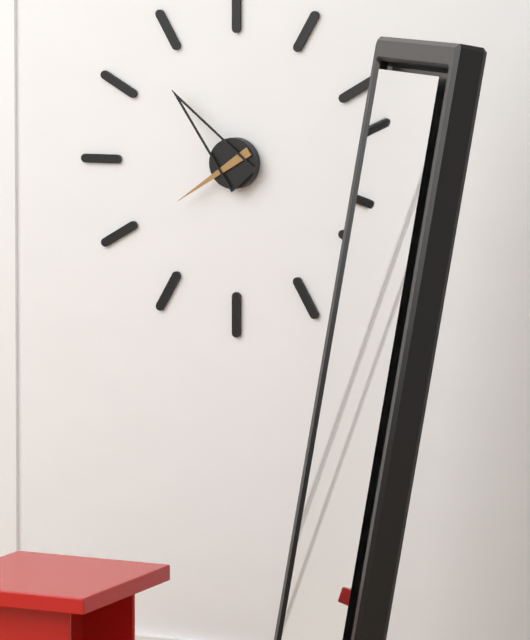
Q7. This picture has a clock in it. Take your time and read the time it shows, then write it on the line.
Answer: 7:53
